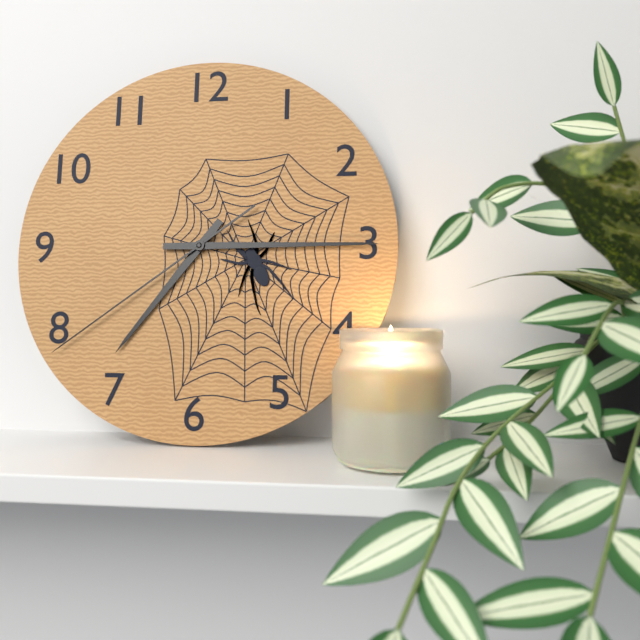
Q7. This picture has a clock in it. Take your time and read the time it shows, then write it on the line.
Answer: 7:15:39
